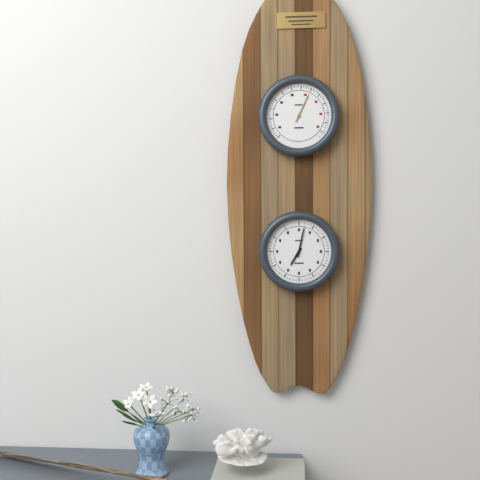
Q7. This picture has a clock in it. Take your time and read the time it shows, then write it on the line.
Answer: 7:02
